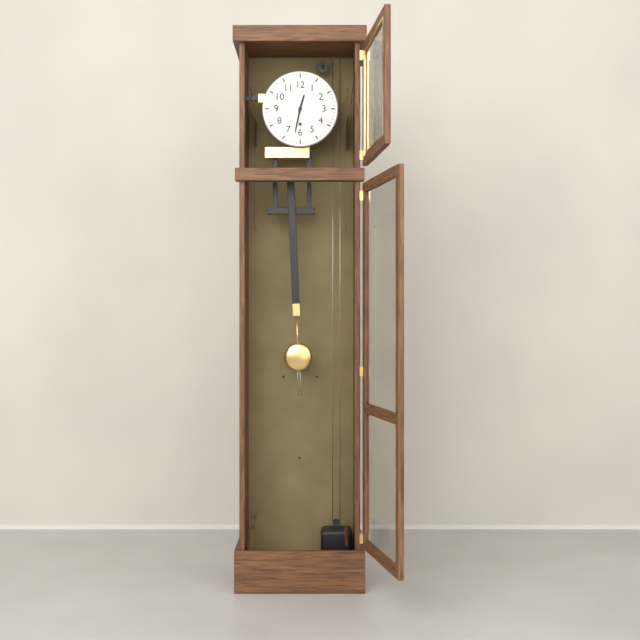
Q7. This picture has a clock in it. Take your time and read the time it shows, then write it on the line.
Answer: 12:32
